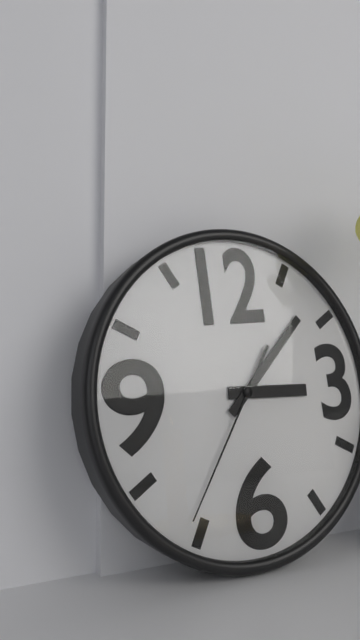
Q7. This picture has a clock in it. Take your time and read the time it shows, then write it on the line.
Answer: 3:08:36
